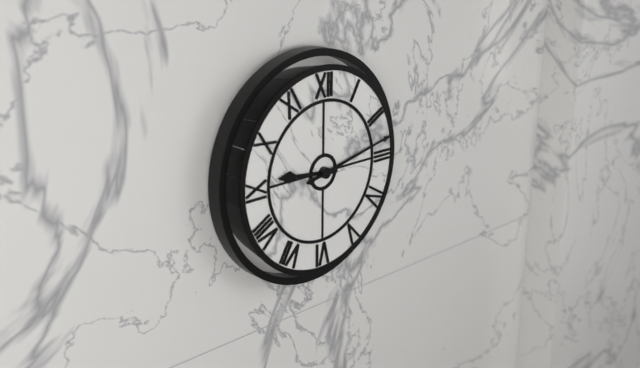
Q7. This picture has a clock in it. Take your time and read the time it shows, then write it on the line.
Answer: 9:13
